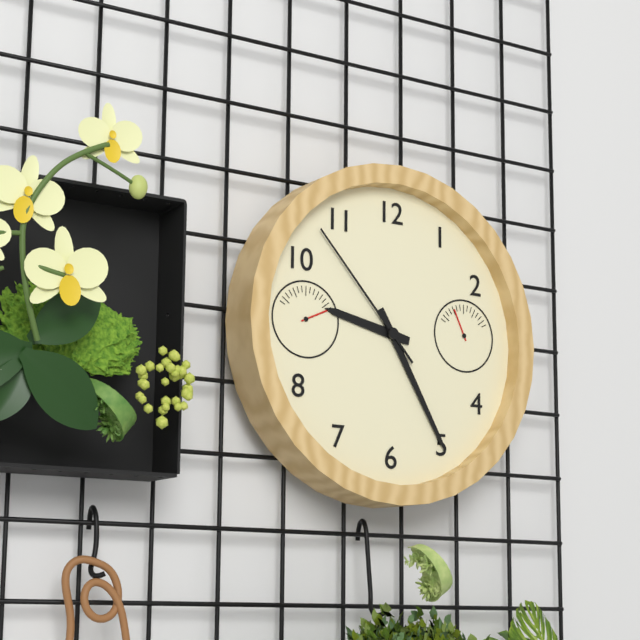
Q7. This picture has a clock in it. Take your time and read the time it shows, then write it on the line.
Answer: 9:25:53
